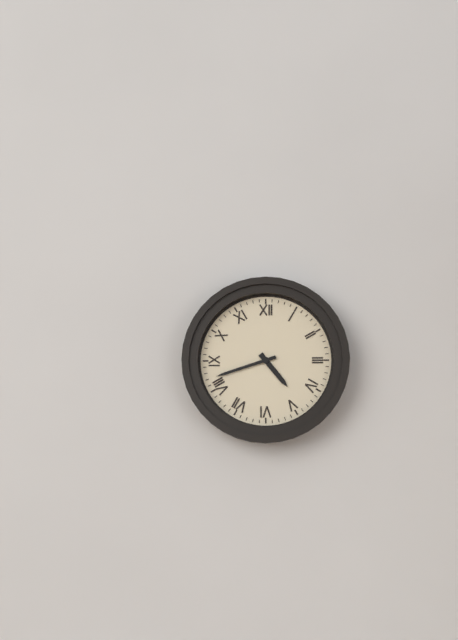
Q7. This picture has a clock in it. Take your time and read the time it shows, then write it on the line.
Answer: 4:42
